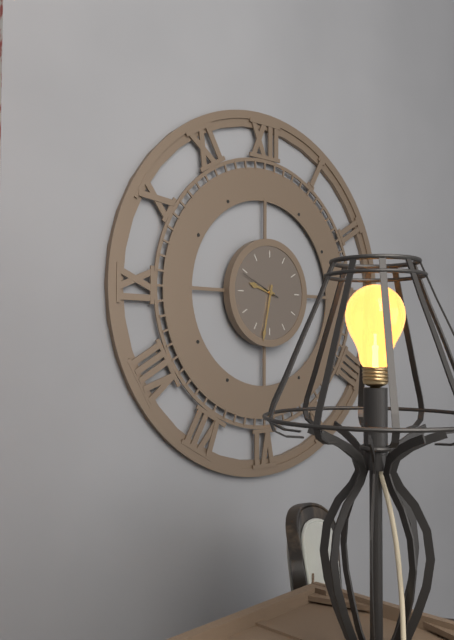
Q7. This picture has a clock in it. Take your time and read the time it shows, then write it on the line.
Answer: 9:32
